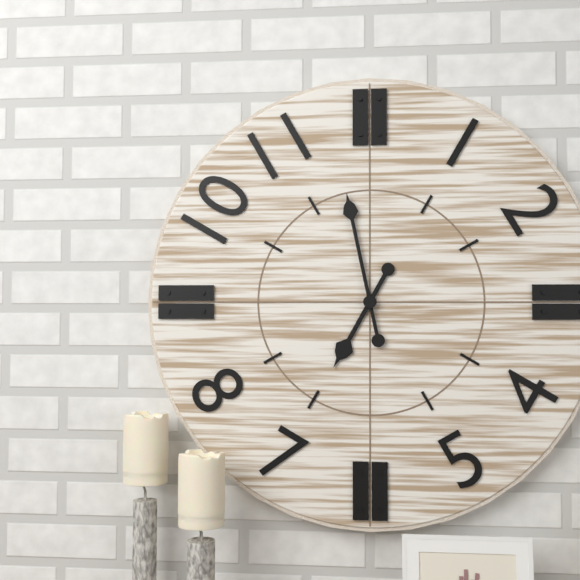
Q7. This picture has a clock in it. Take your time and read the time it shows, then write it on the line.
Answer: 6:58
